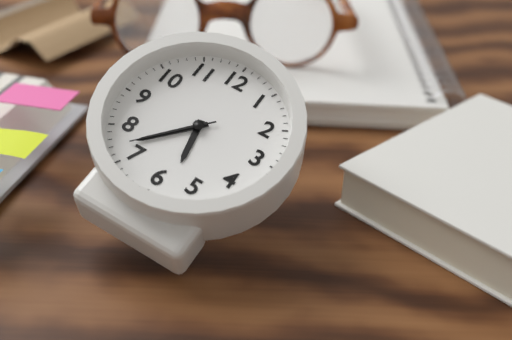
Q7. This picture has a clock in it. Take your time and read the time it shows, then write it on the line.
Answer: 5:37:37
